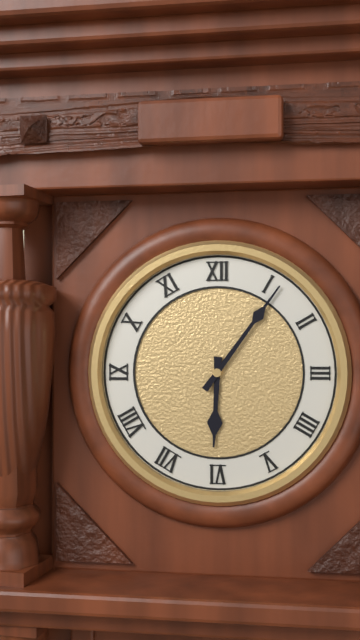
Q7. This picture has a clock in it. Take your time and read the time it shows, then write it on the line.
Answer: 6:06
